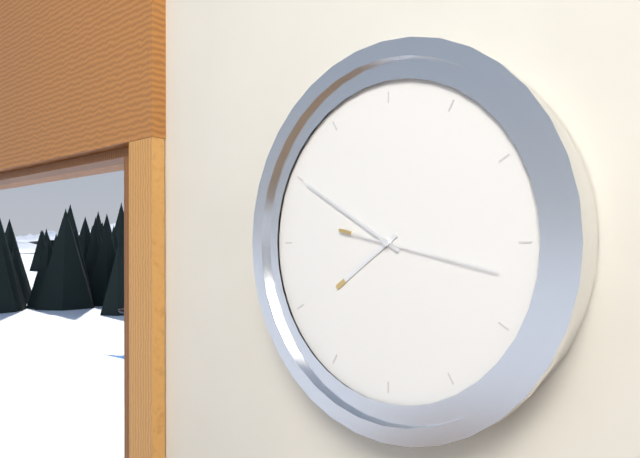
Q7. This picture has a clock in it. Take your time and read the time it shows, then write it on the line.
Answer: 7:50:17
